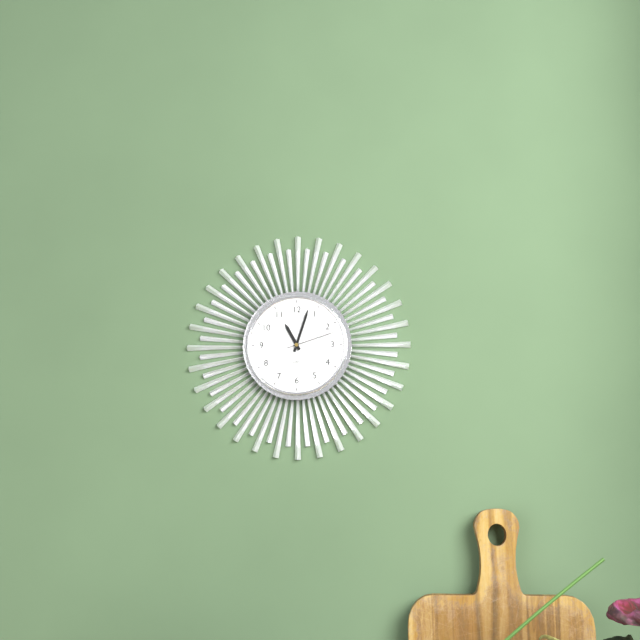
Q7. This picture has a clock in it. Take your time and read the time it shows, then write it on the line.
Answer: 11:03:12
